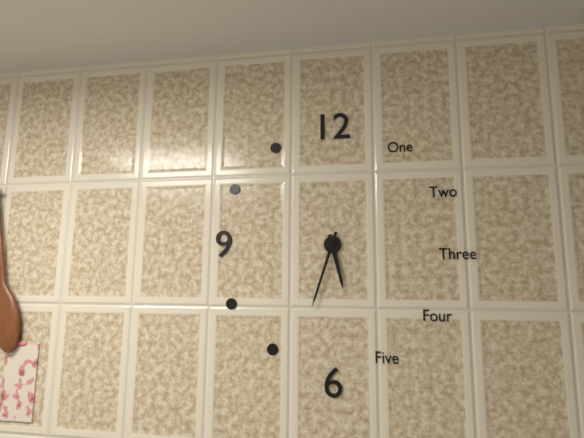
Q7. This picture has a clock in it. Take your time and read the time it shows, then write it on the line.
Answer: 5:33
